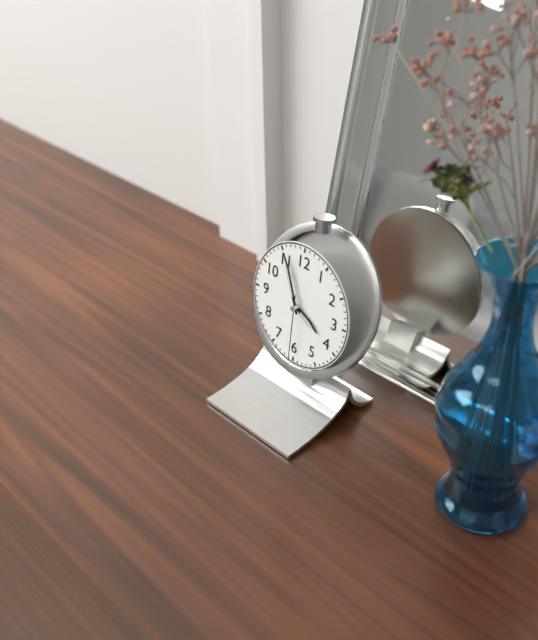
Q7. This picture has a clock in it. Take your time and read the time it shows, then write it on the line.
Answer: 3:56:30
